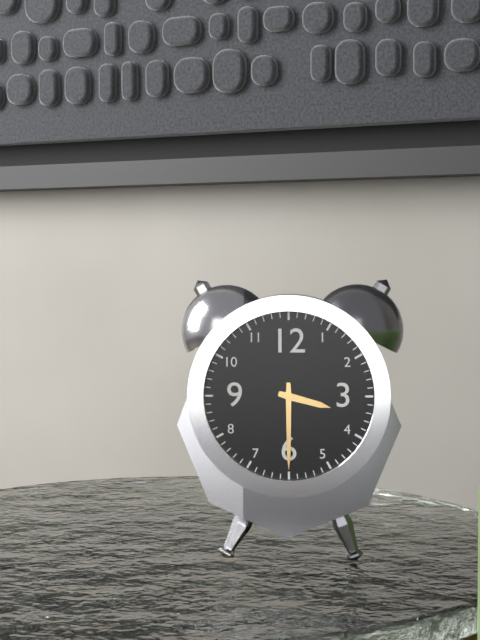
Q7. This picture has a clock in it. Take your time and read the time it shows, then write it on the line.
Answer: 3:30
